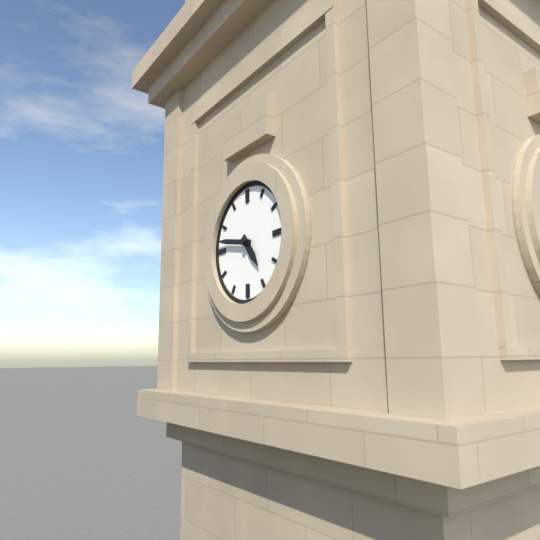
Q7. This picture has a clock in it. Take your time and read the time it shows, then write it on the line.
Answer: 4:47
